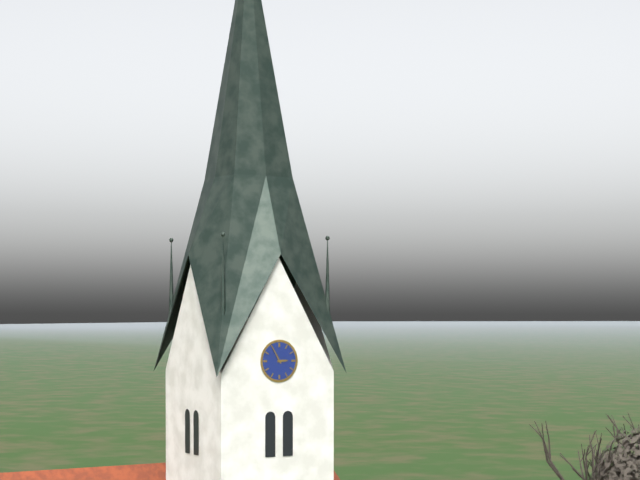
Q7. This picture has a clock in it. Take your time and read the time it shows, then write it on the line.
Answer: 2:55
